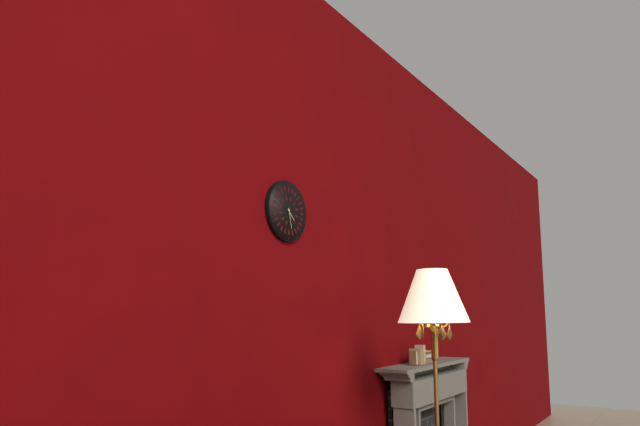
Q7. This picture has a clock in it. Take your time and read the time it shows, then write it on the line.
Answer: 4:28
